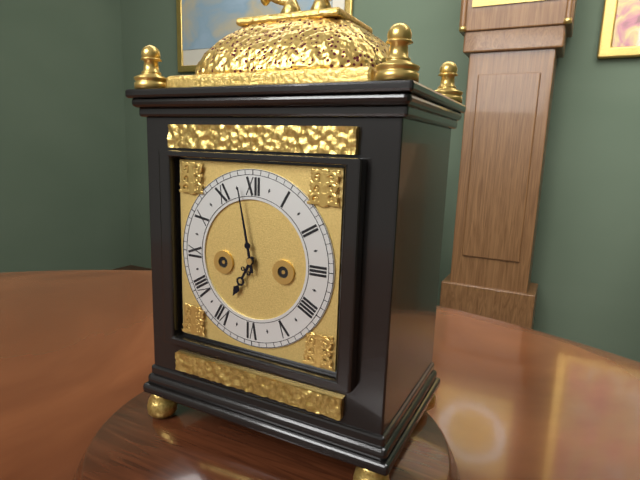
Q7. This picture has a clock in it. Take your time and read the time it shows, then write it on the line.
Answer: 6:58
